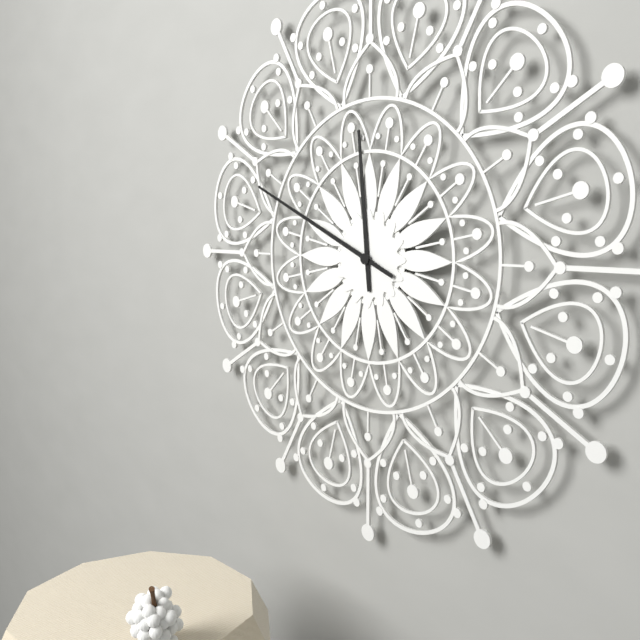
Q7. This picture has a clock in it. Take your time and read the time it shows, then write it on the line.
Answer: 11:49
